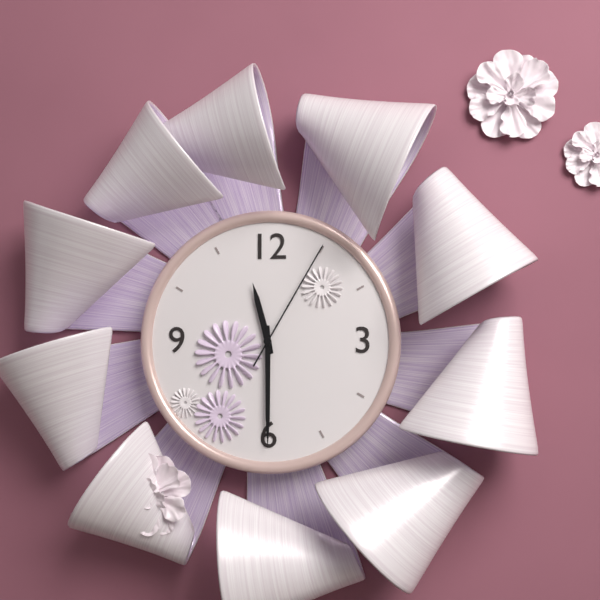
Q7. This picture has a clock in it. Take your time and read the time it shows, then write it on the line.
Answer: 11:30:05
